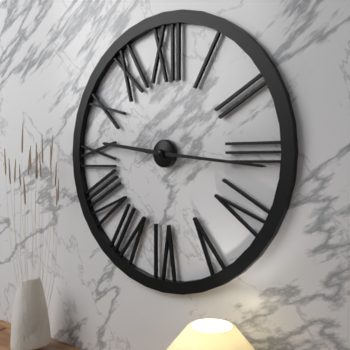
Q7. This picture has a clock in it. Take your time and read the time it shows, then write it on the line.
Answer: 9:16
